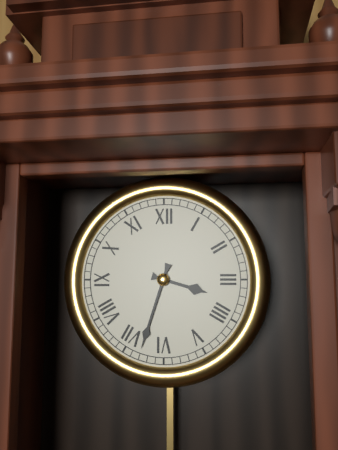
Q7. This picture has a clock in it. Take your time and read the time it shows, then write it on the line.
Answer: 3:33
